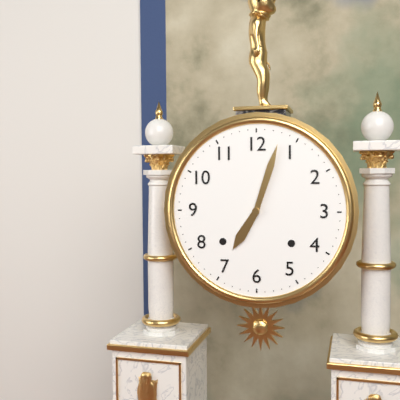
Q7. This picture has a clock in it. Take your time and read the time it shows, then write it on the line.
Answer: 7:03
